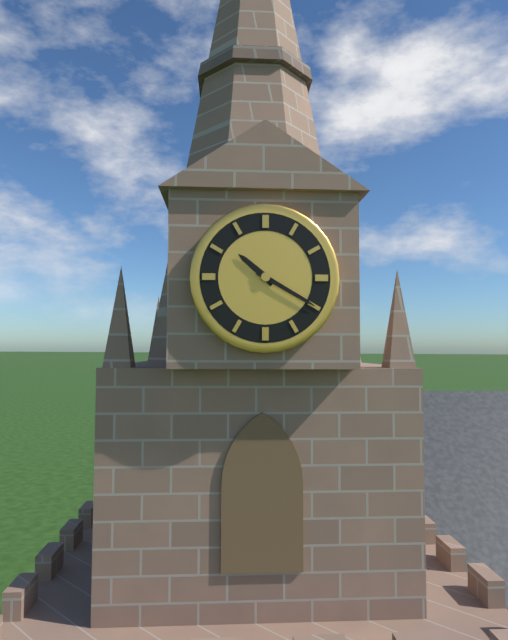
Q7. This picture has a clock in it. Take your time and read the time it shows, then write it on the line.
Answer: 10:20
